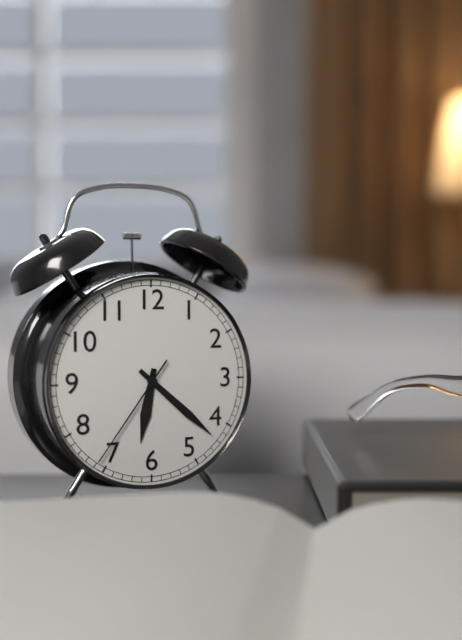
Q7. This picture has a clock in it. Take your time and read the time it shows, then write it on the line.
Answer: 6:22:36
